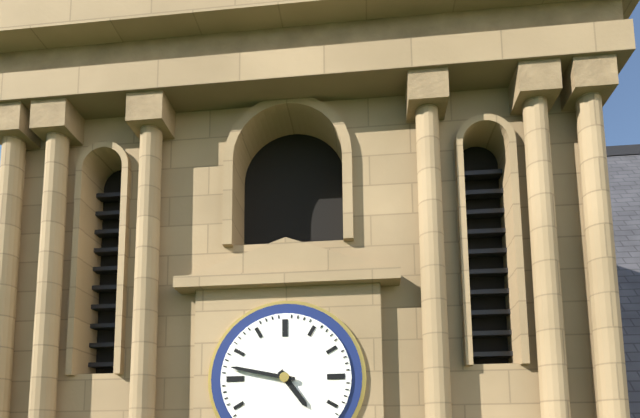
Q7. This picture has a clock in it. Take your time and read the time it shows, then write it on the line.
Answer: 4:47
